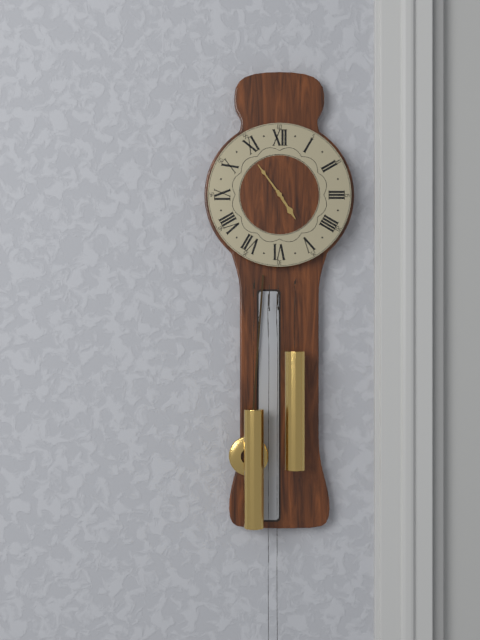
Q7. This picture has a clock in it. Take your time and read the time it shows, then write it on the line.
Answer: 4:54
